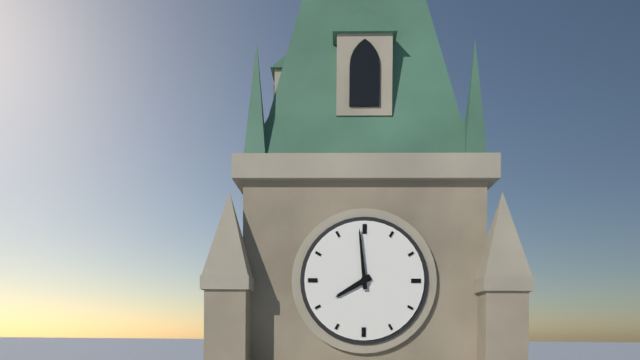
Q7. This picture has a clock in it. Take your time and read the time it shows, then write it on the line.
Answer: 7:59
